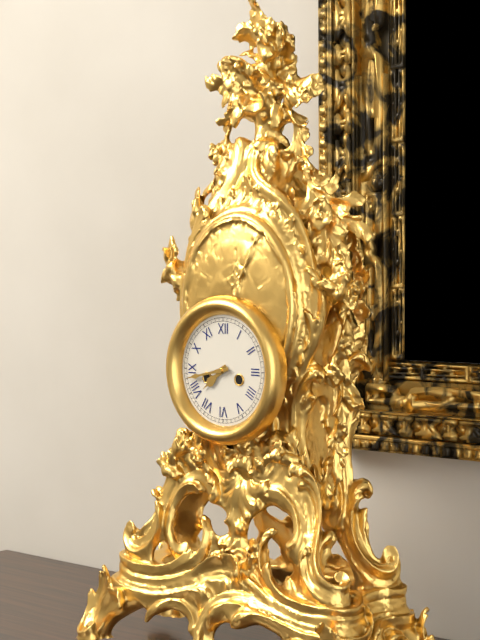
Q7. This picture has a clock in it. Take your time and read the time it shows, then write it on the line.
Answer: 7:43
